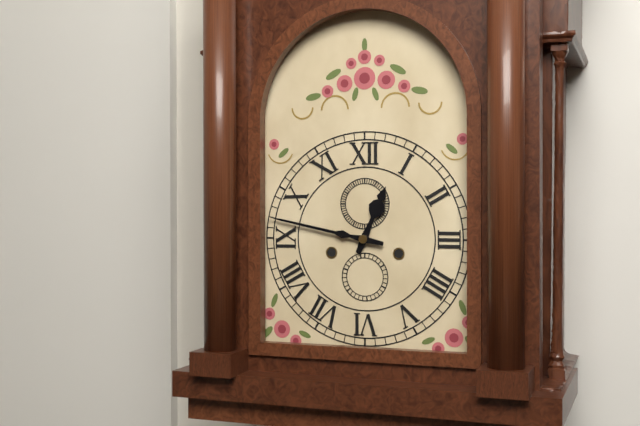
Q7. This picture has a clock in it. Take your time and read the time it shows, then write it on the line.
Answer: 12:47
